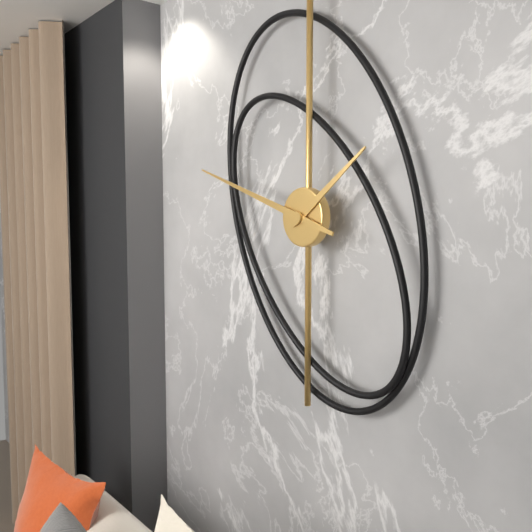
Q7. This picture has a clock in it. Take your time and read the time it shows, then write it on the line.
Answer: 1:48
